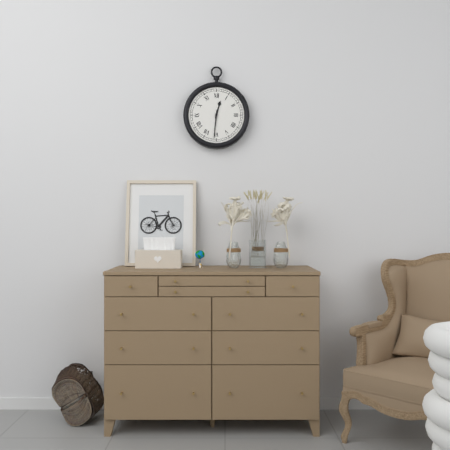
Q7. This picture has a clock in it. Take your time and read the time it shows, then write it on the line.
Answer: 12:31
